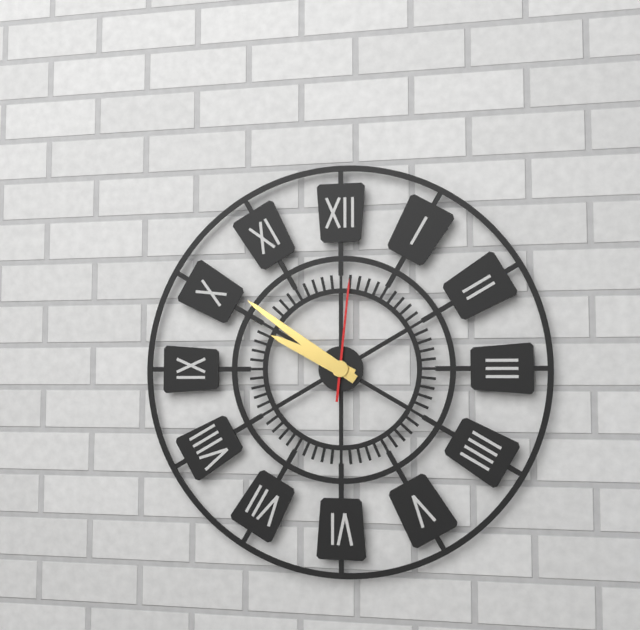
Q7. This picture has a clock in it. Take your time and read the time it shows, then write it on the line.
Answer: 9:51:01
